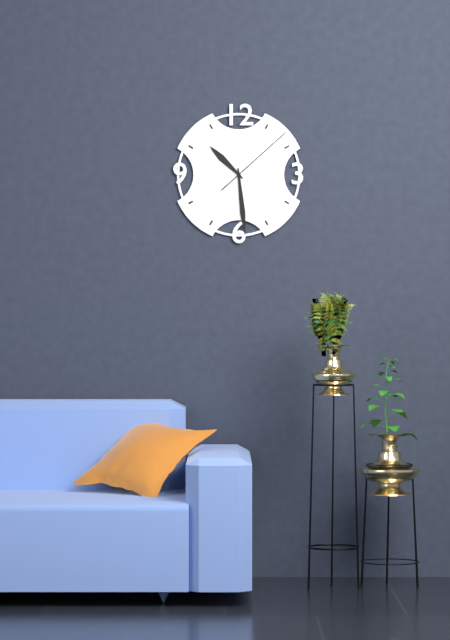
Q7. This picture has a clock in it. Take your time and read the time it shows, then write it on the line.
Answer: 10:29:08
